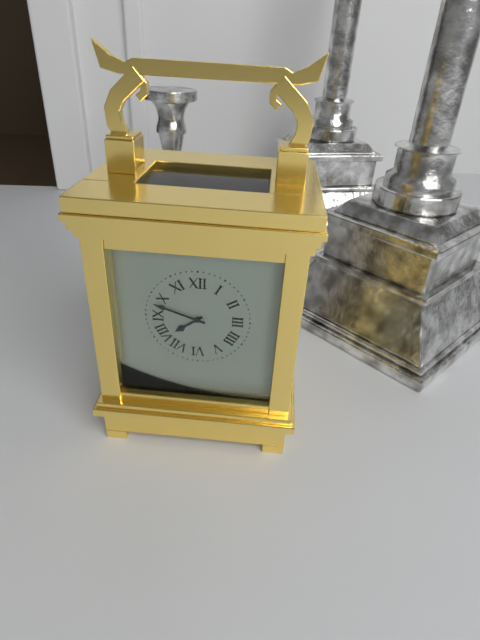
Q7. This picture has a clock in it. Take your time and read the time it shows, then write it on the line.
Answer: 7:48
